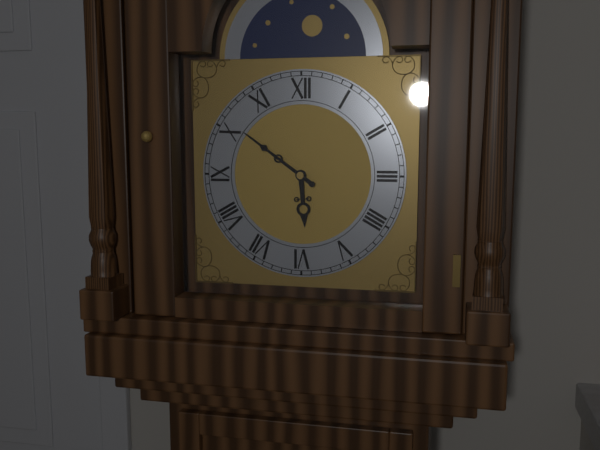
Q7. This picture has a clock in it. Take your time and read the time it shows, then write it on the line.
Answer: 5:51
